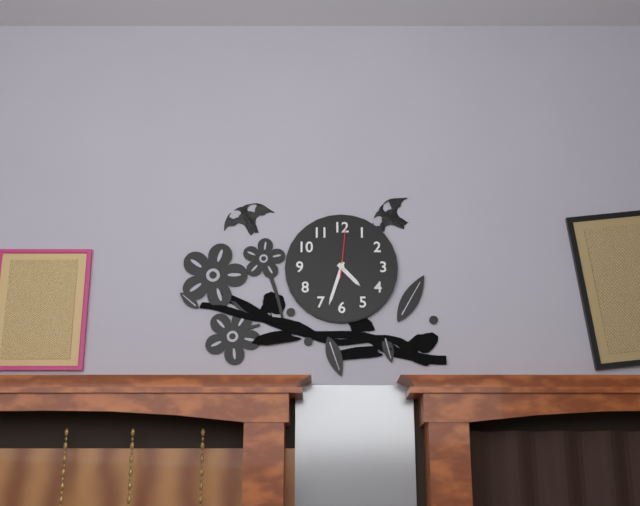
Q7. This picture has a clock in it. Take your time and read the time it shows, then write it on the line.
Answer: 4:33:01
